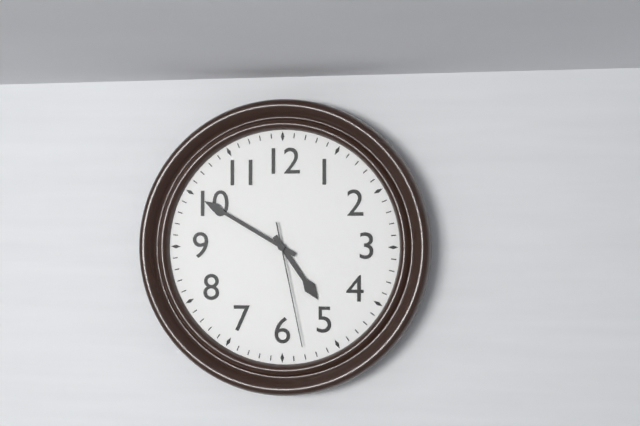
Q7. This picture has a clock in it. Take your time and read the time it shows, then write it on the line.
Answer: 4:50:28
